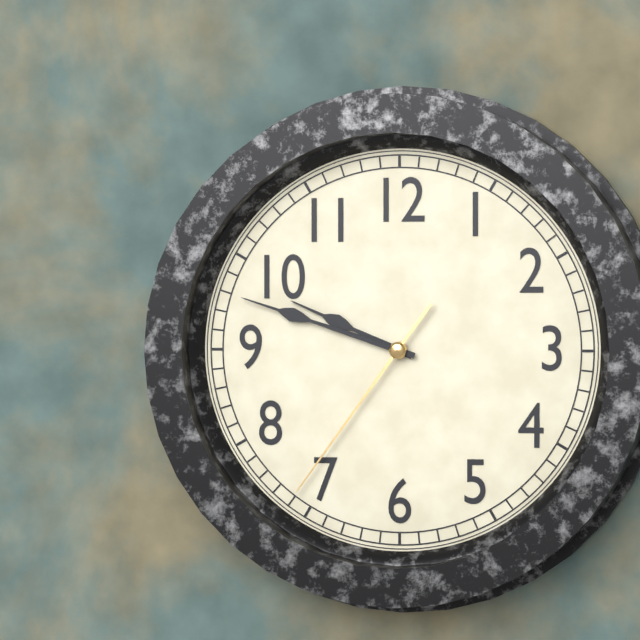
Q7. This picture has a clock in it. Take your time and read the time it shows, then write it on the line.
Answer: 9:48:36
